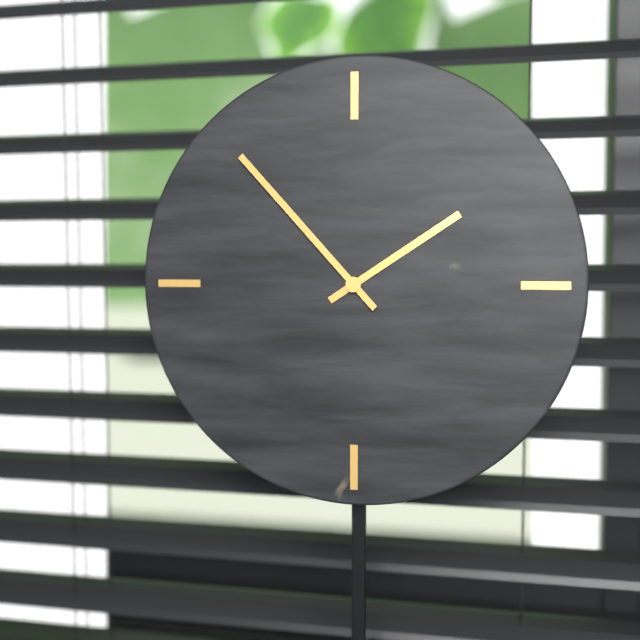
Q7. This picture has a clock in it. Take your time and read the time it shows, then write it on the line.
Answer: 1:53
